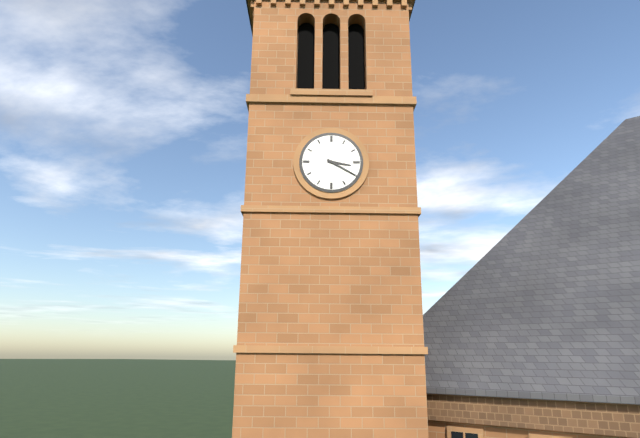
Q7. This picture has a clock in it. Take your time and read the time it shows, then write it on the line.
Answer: 3:20
